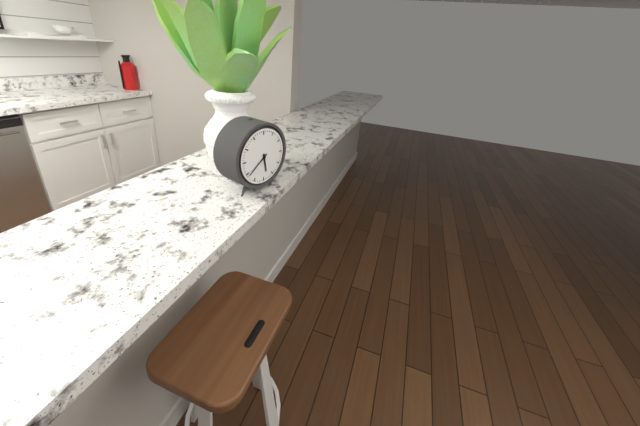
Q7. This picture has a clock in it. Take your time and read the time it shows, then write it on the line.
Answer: 5:39
